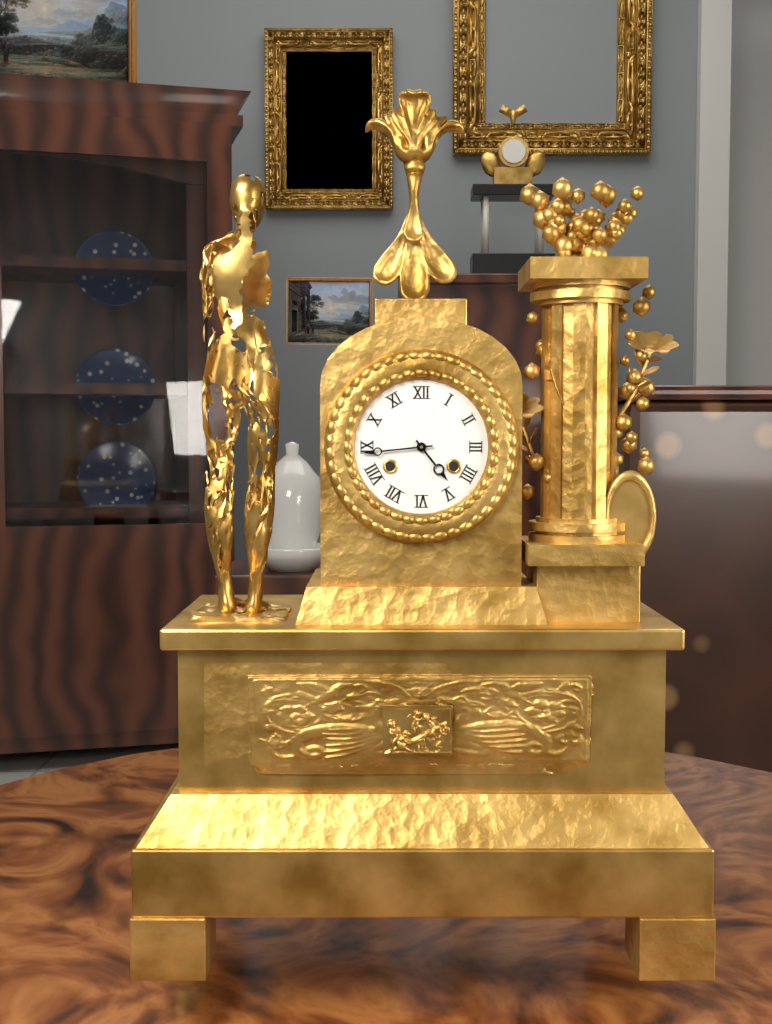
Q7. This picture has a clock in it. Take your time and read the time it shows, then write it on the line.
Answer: 4:44
